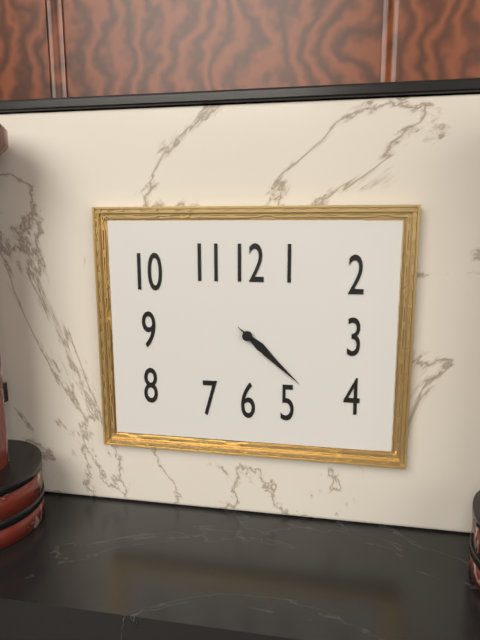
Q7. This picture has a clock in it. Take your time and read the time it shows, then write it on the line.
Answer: 4:22
